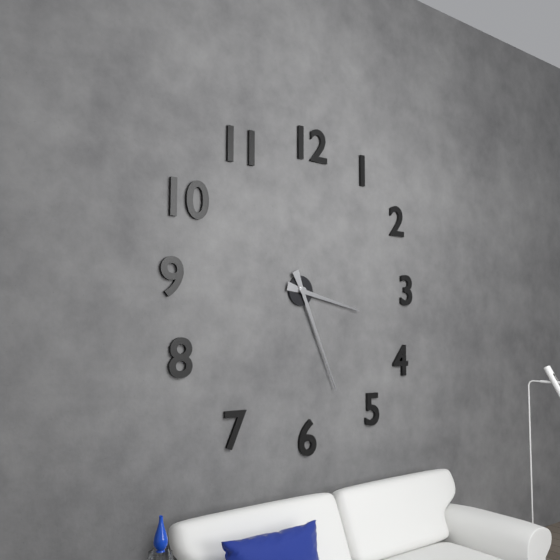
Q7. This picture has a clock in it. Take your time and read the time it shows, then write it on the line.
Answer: 3:26
